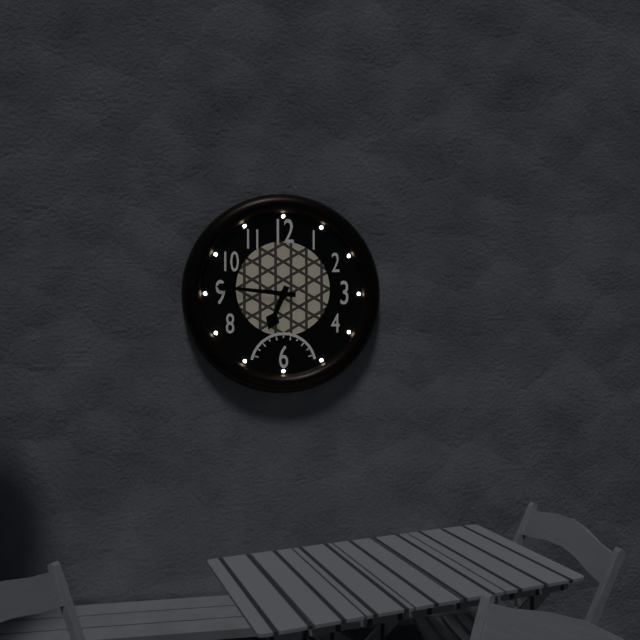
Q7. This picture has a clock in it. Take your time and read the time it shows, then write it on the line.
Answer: 6:46
